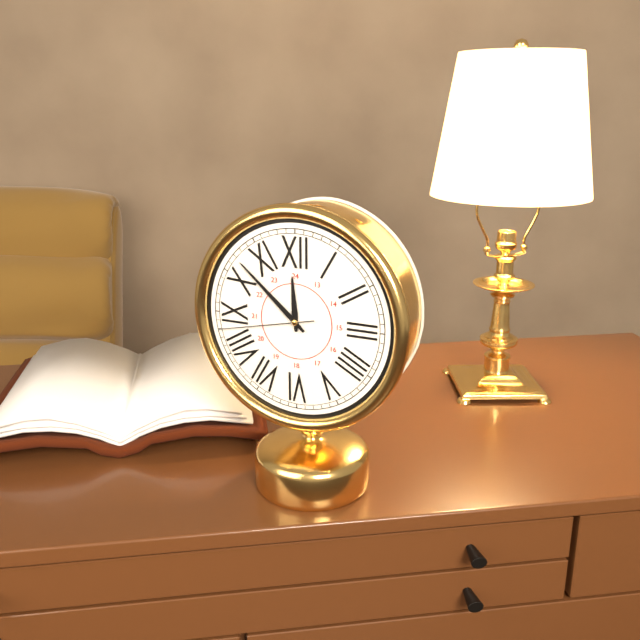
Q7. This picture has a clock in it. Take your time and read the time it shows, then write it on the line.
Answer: 11:52:43
